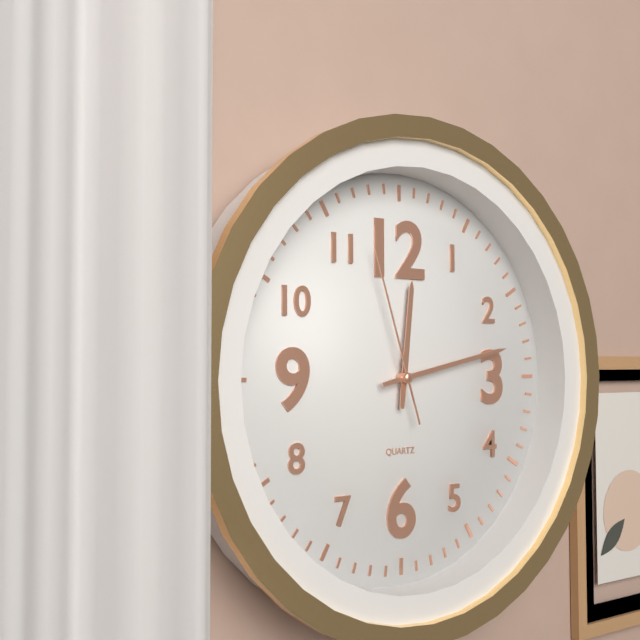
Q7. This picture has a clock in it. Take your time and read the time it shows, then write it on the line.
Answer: 12:13:57
